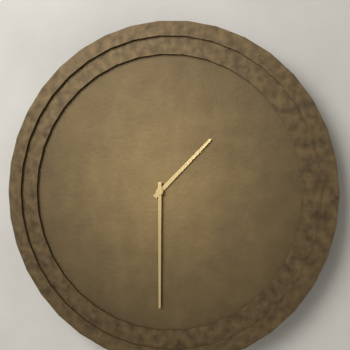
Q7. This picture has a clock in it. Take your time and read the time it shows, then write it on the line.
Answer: 1:30
